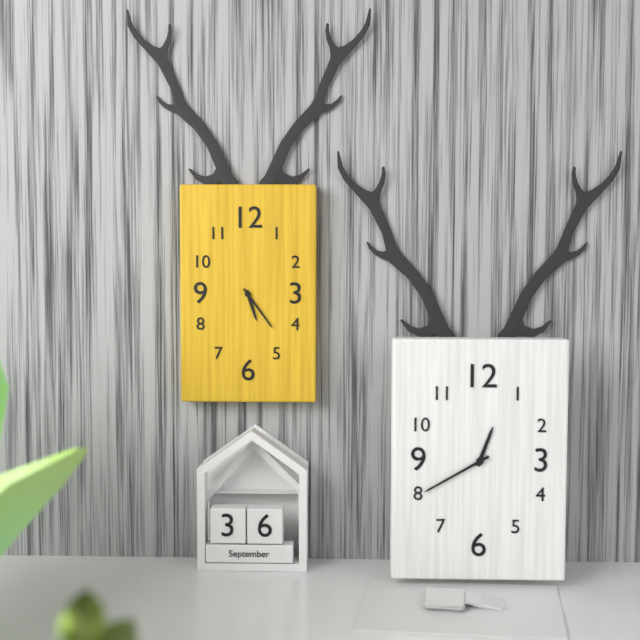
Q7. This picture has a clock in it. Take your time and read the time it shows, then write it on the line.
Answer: 5:24
